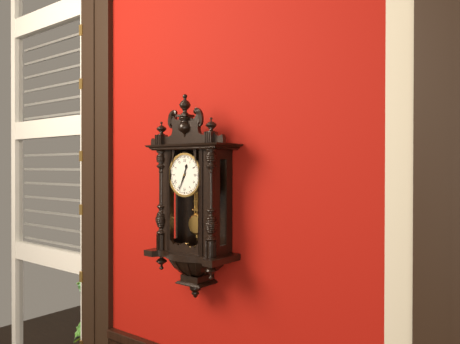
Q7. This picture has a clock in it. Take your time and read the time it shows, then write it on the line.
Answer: 12:34
